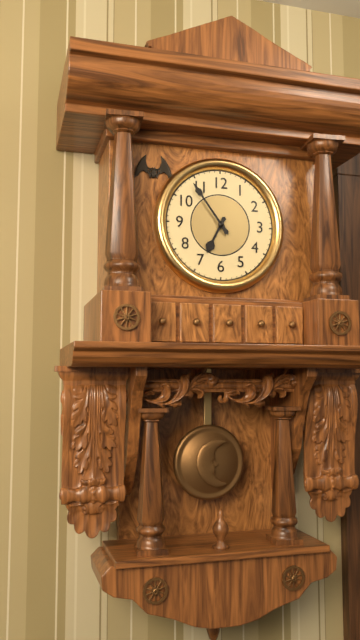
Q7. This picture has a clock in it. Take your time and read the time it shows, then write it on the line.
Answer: 6:54
